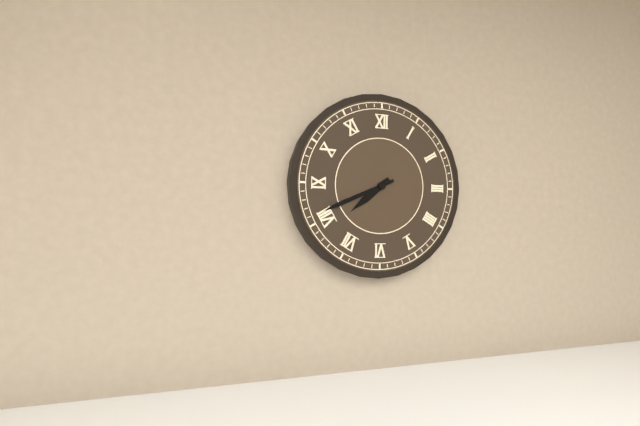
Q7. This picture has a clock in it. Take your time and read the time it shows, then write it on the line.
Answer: 7:41
